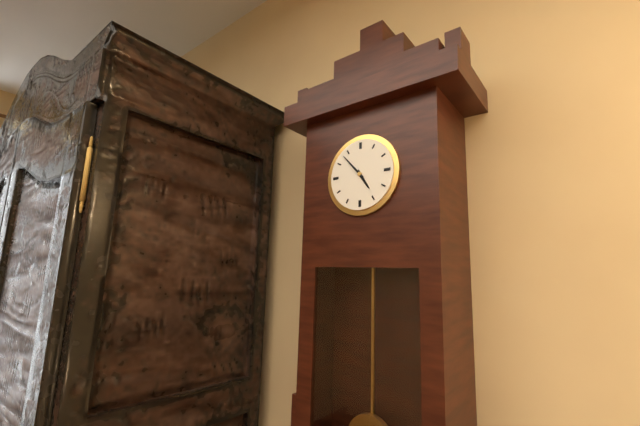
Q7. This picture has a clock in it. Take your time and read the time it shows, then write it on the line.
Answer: 4:53
